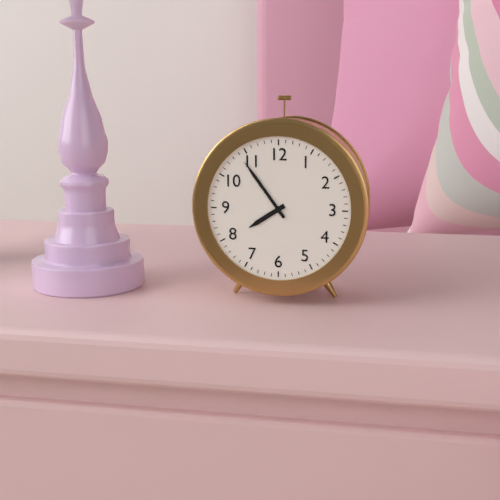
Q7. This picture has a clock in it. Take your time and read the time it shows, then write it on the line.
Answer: 7:54
